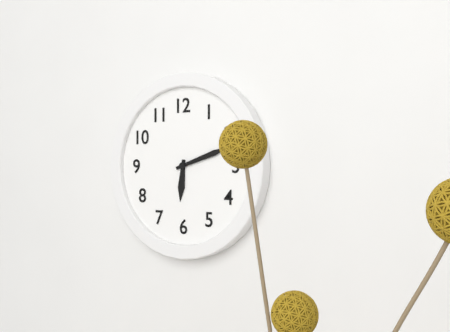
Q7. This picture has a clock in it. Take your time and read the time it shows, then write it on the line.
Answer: 6:12
